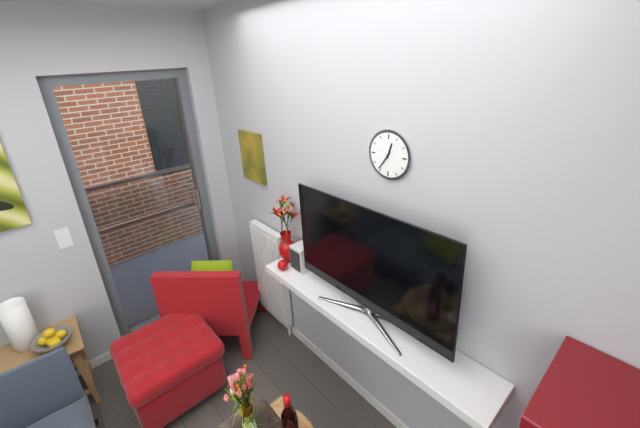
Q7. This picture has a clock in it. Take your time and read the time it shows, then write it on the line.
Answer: 12:36
